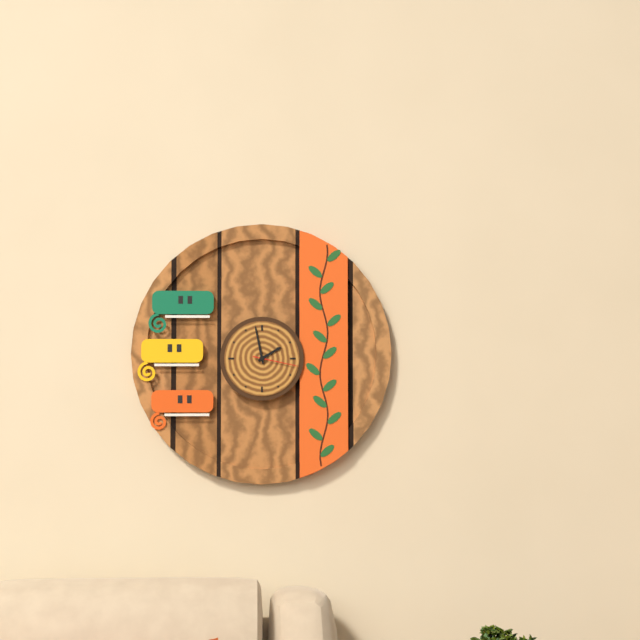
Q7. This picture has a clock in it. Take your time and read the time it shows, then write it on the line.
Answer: 1:58
